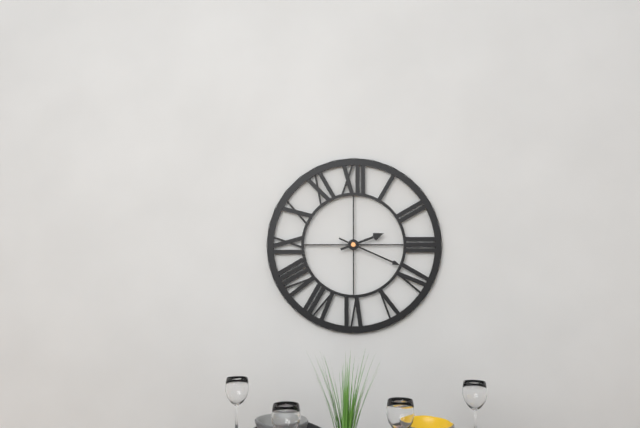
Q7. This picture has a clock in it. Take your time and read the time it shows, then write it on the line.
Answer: 2:19
